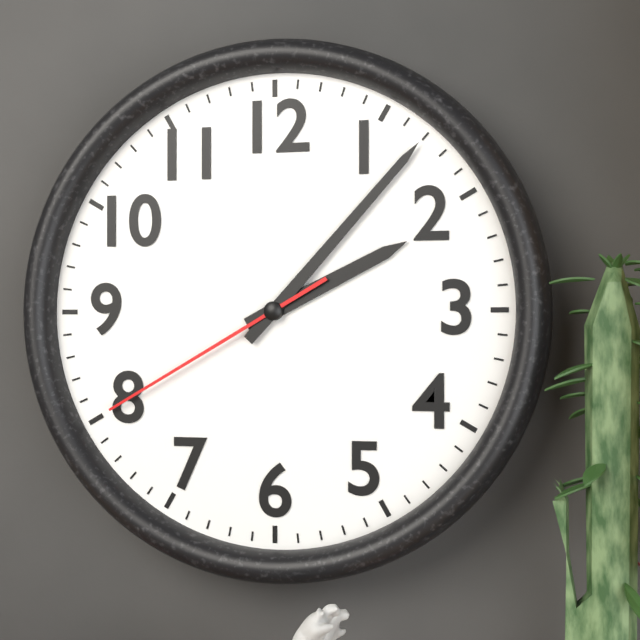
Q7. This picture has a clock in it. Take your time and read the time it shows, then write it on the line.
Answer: 2:07:40
